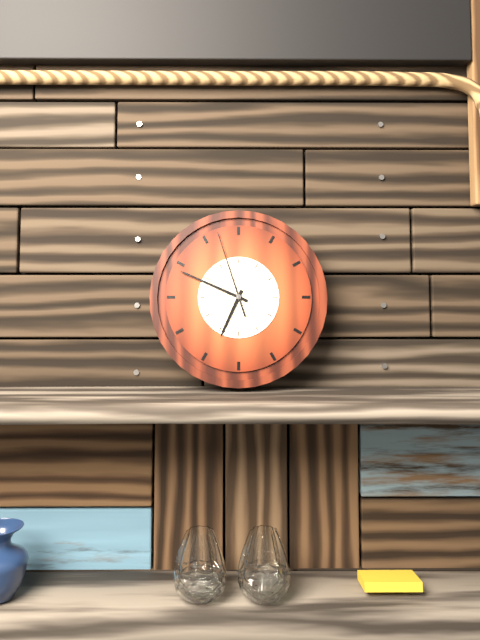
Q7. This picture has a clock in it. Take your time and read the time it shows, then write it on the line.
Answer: 6:49:57
